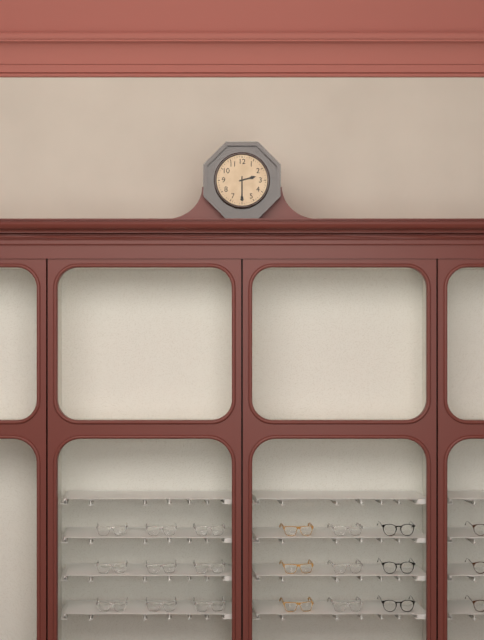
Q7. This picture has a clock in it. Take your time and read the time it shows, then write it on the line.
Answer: 2:30
